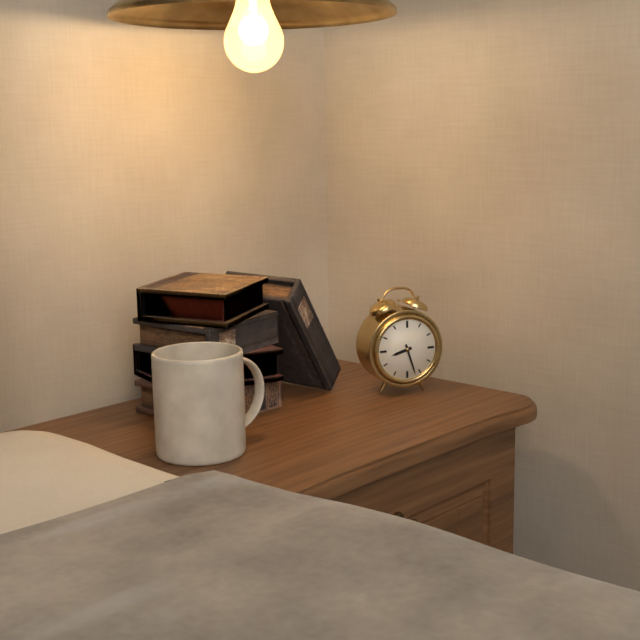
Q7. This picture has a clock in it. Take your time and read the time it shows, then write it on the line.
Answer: 8:27
